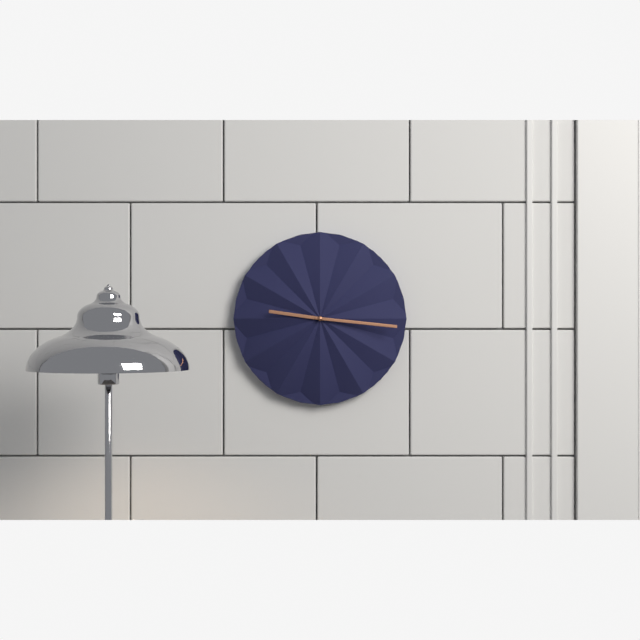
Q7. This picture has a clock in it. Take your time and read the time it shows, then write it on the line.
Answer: 9:16
